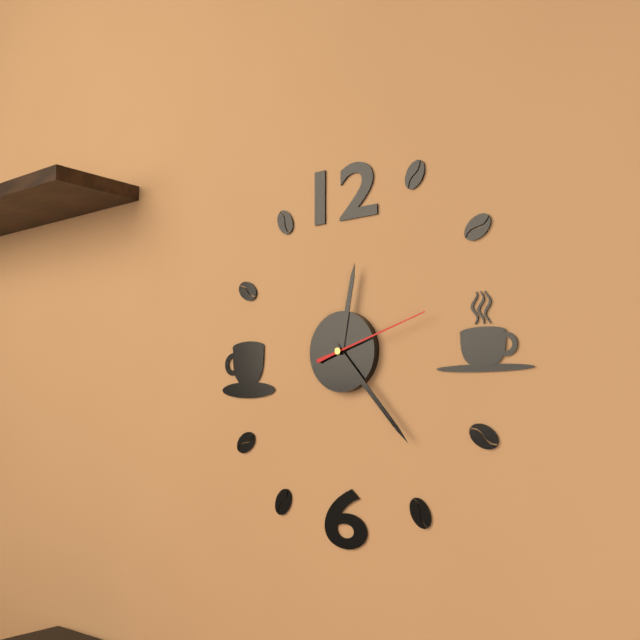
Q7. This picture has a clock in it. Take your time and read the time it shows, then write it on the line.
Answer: 12:23:12
